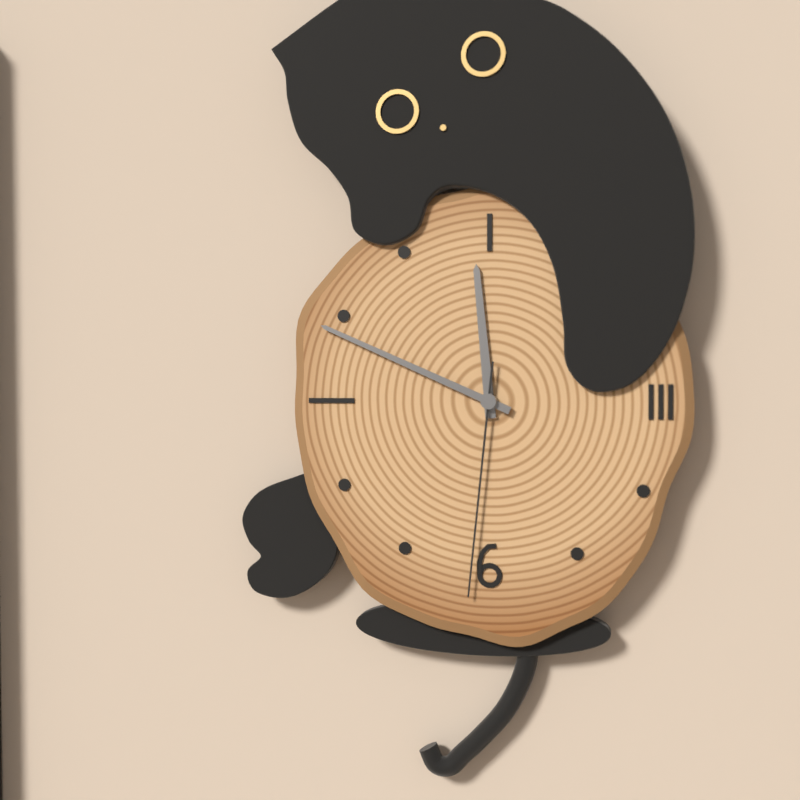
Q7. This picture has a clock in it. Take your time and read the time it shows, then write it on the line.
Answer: 11:49:31
